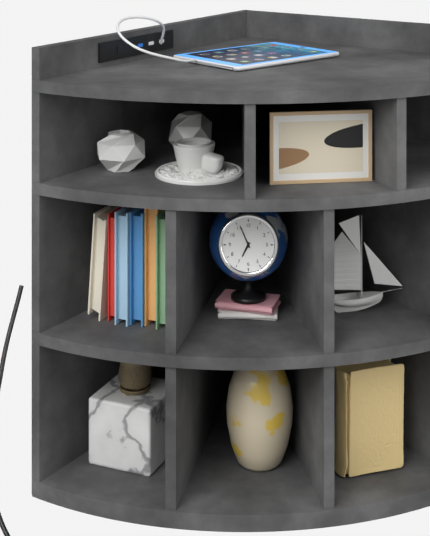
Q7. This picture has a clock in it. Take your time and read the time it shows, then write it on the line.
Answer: 6:56
